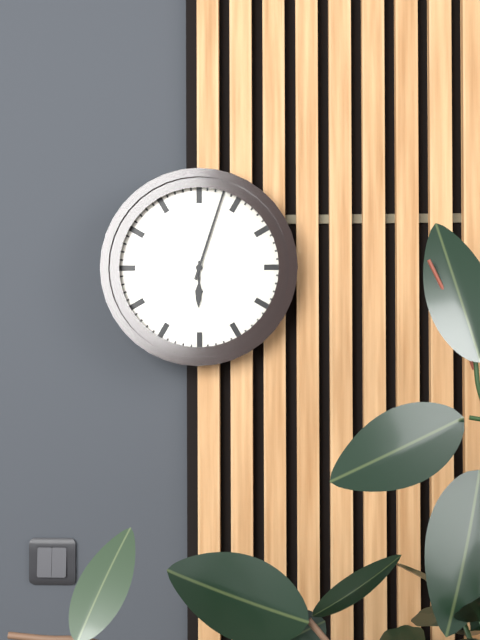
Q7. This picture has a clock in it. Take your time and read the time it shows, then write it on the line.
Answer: 6:03
